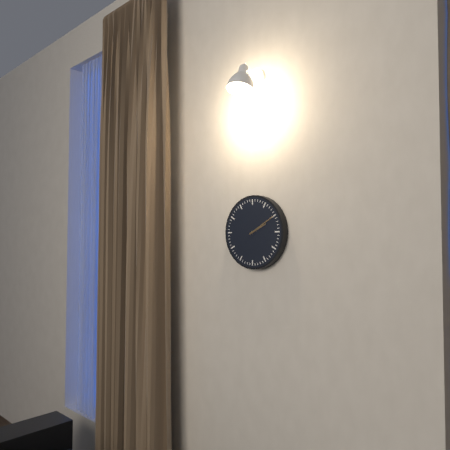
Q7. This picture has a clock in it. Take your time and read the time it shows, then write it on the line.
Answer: 2:10
